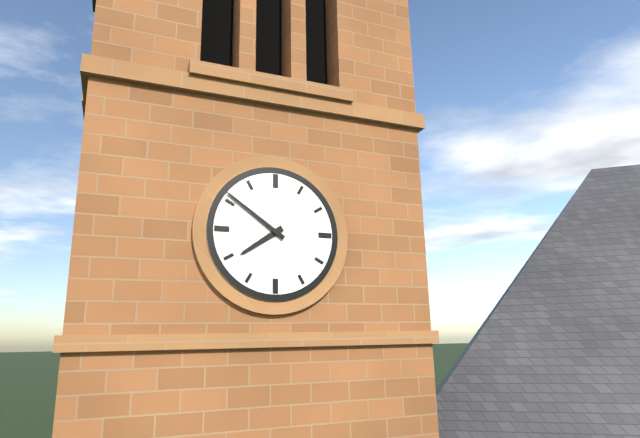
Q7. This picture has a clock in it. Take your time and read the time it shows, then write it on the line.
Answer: 7:51
